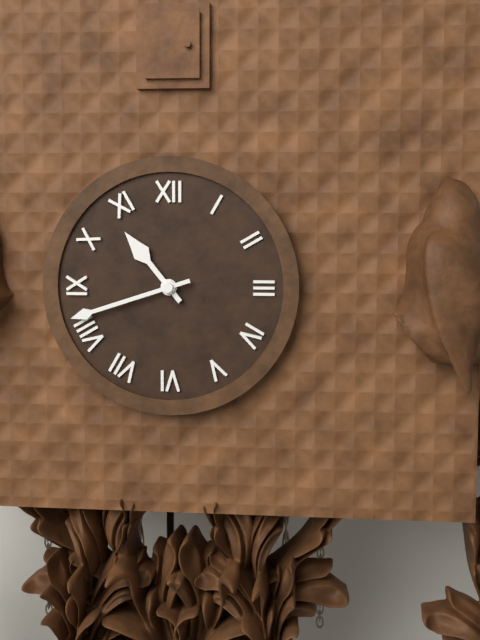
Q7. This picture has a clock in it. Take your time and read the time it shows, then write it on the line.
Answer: 10:42
